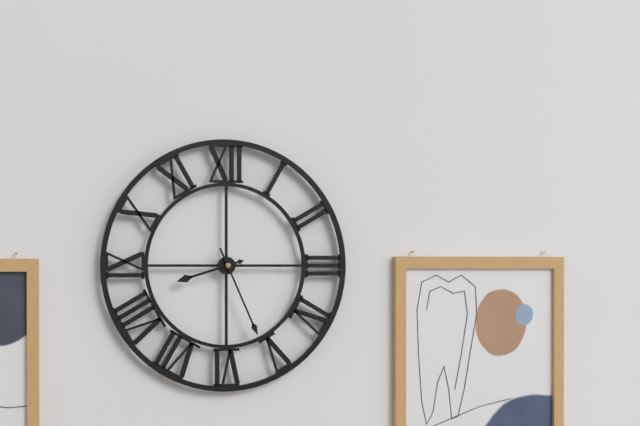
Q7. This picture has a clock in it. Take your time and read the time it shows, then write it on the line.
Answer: 8:26
